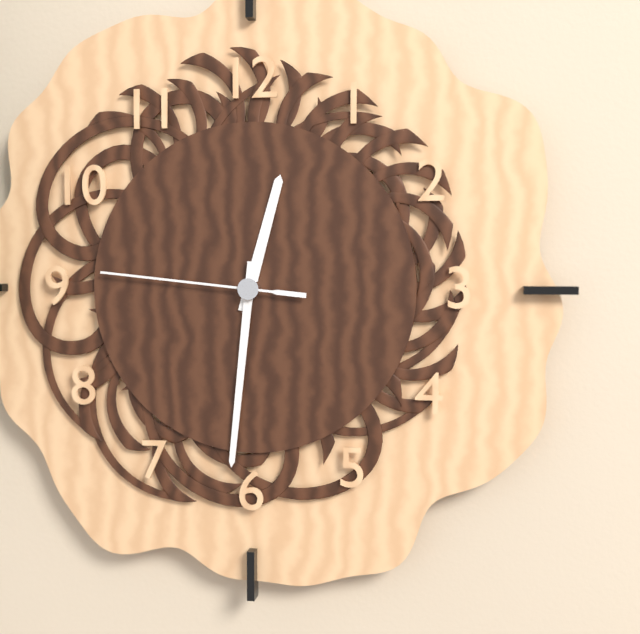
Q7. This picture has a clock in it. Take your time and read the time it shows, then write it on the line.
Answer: 12:31:46
